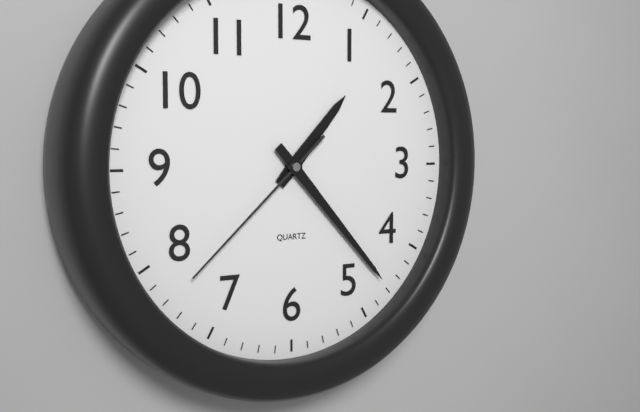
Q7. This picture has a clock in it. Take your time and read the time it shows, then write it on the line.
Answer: 1:23:38
